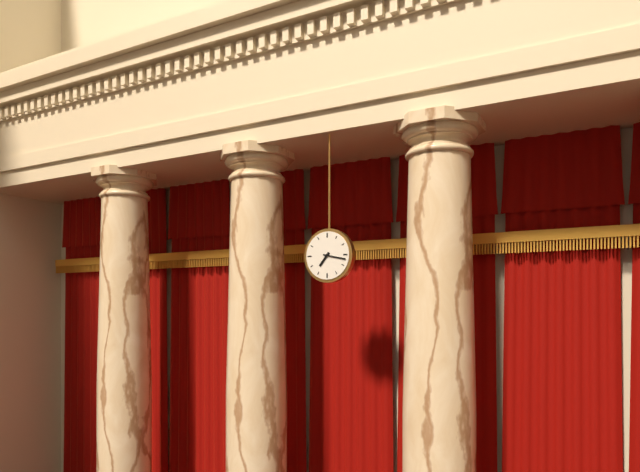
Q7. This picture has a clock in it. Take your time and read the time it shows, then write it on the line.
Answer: 7:17
